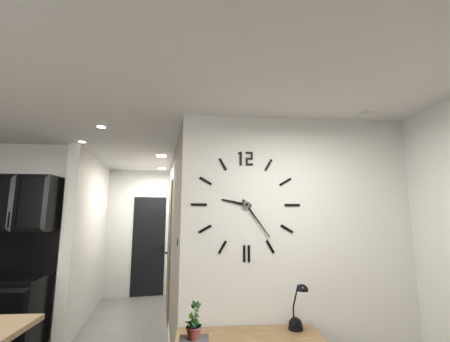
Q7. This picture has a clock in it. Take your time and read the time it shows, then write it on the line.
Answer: 9:24
